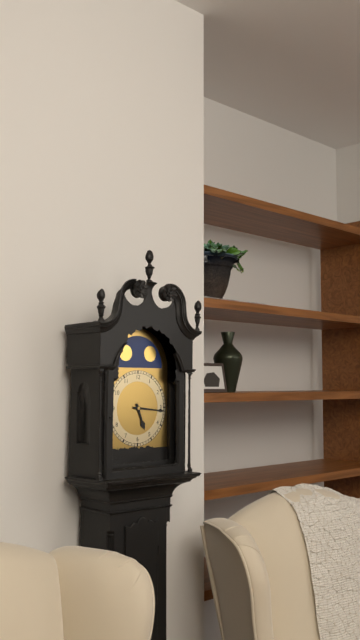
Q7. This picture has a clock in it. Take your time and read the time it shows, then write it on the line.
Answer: 5:16
